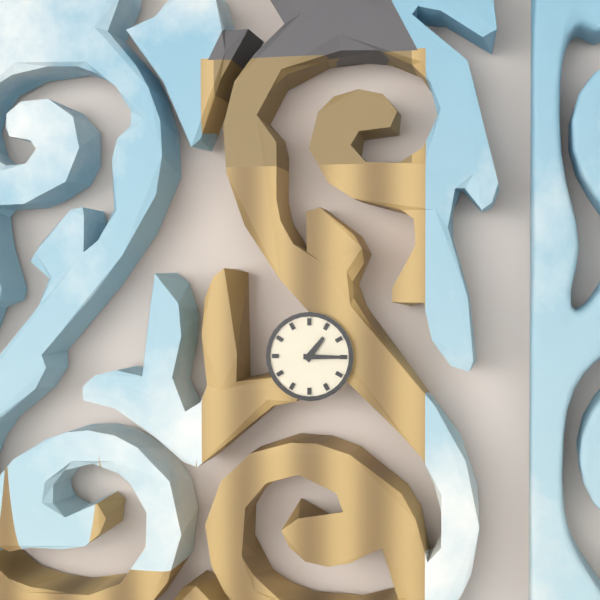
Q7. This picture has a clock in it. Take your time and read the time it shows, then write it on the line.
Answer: 1:15
